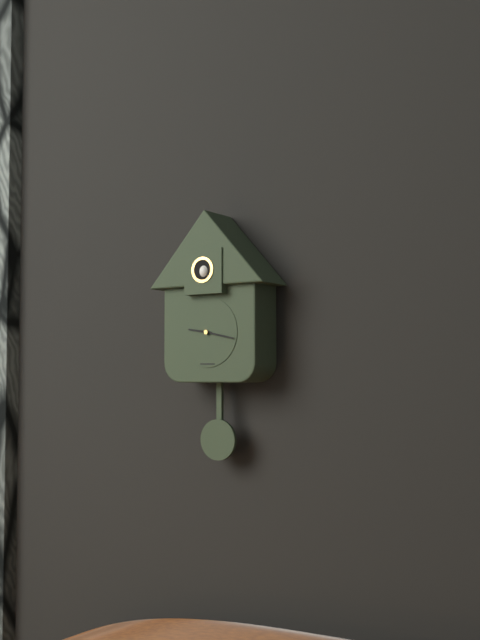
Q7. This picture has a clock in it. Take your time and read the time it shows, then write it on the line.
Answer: 9:17
